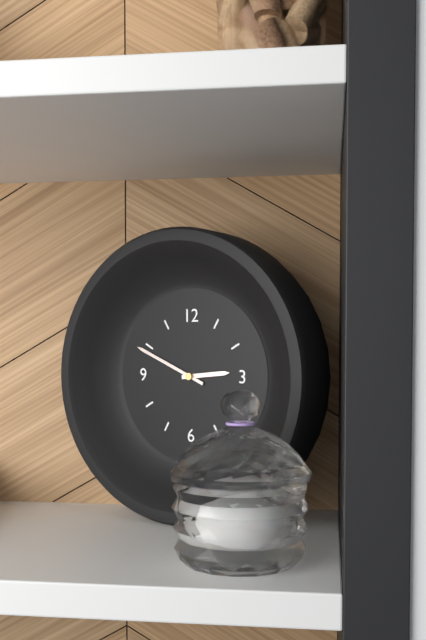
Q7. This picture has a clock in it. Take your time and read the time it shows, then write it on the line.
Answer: 2:49
